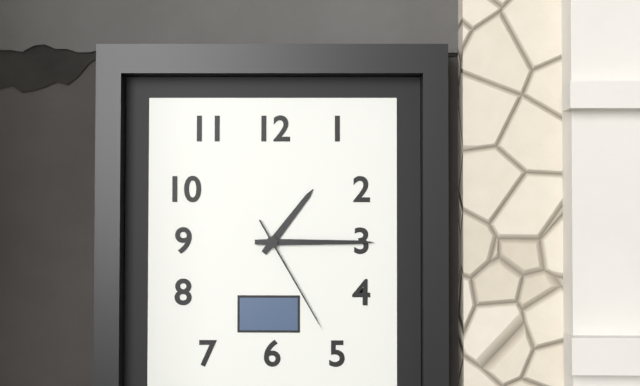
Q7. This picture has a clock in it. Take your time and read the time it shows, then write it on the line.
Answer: 1:15:25
